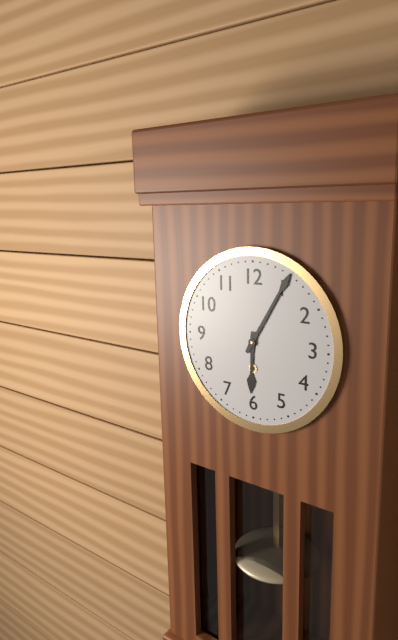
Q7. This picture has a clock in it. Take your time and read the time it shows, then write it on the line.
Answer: 6:05
